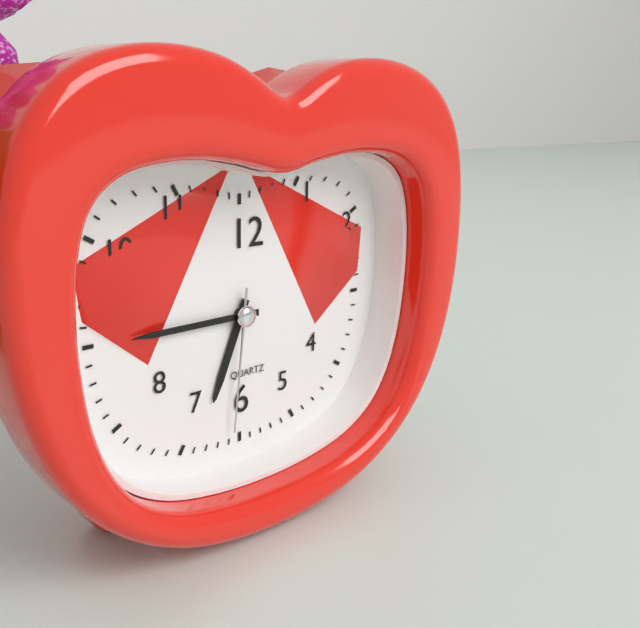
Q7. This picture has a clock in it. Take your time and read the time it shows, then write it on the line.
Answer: 6:45:31
